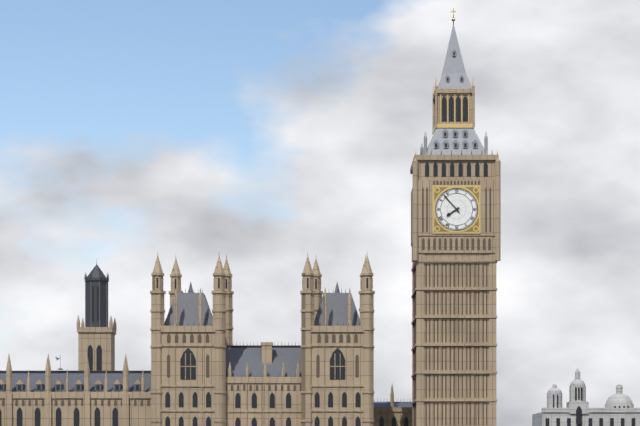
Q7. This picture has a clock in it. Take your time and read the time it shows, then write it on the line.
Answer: 7:53
